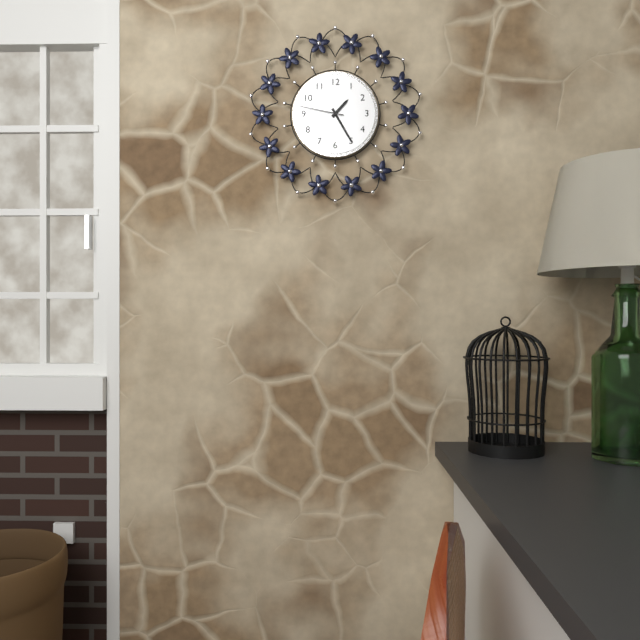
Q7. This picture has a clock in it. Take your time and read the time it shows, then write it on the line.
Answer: 1:25
